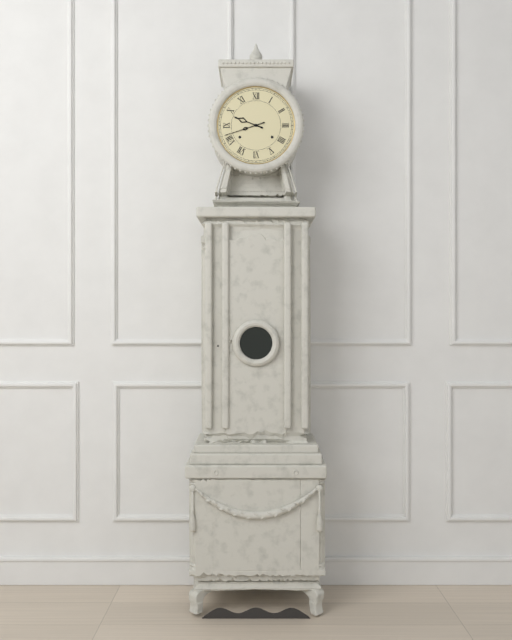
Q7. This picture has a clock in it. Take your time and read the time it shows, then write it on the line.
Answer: 9:42
